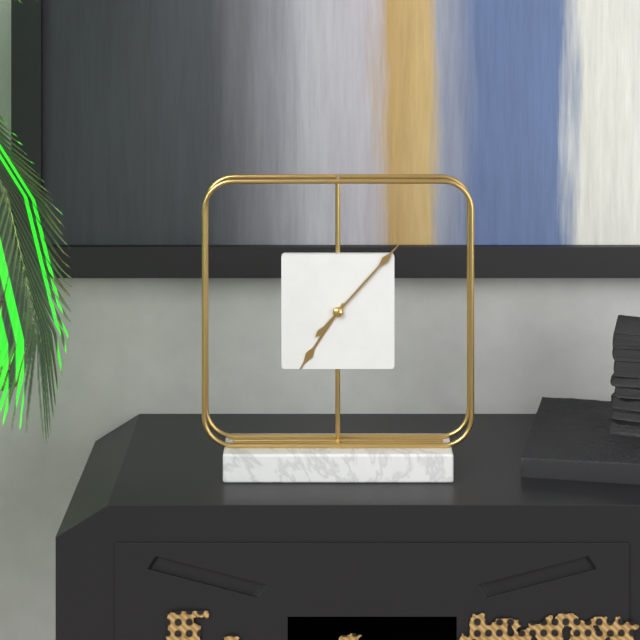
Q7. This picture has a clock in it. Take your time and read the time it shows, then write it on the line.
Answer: 7:07
